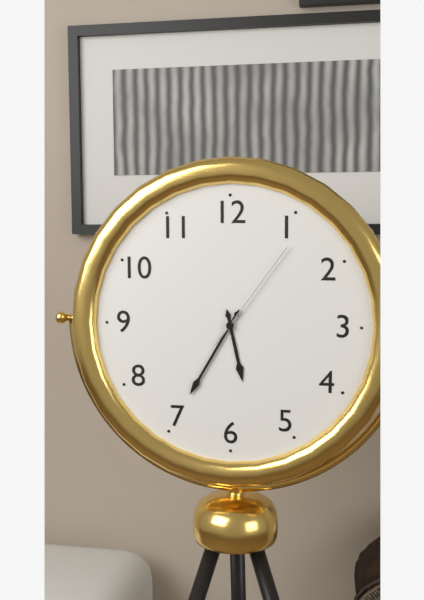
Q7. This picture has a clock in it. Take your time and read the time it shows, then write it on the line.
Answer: 5:35:06
